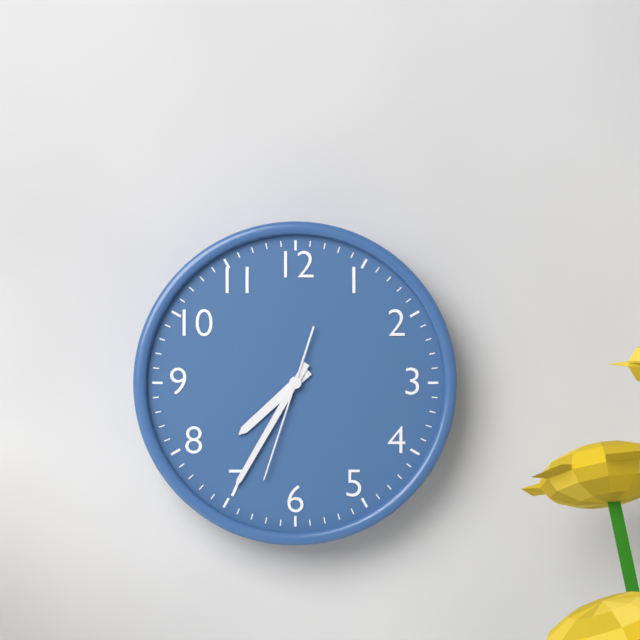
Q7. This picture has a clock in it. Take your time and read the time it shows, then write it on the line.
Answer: 7:35:33
